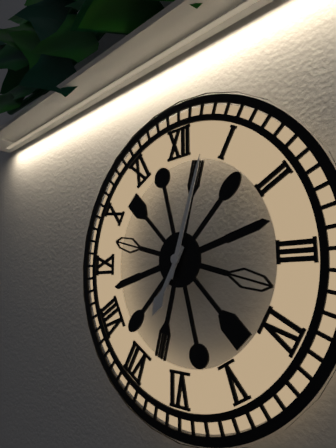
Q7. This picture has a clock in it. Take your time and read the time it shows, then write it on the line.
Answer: 7:03
